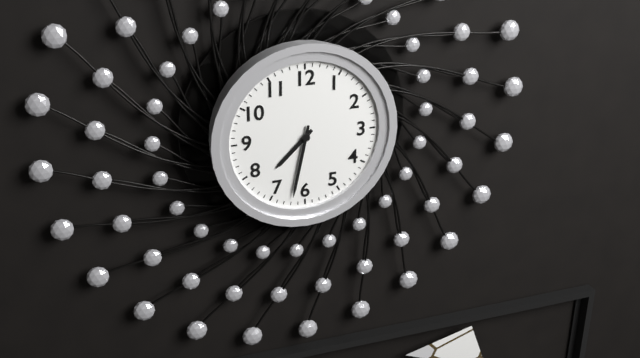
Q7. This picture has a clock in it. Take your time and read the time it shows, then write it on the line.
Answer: 7:32
